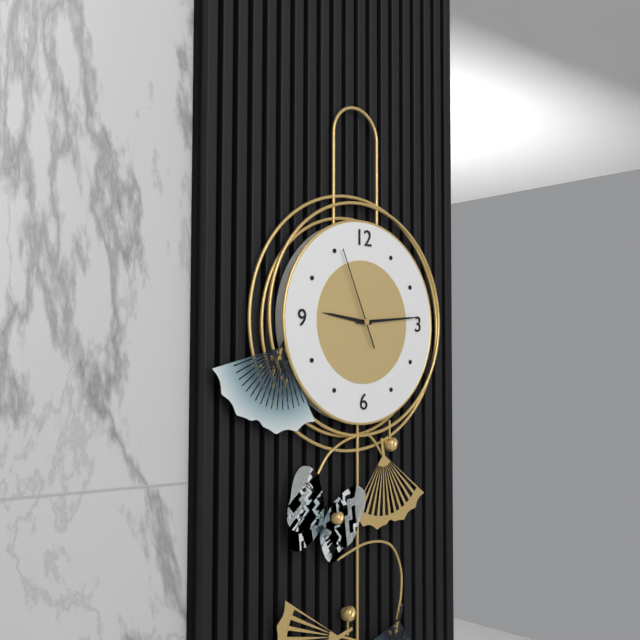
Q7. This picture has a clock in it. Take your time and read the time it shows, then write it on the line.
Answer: 9:14:56
